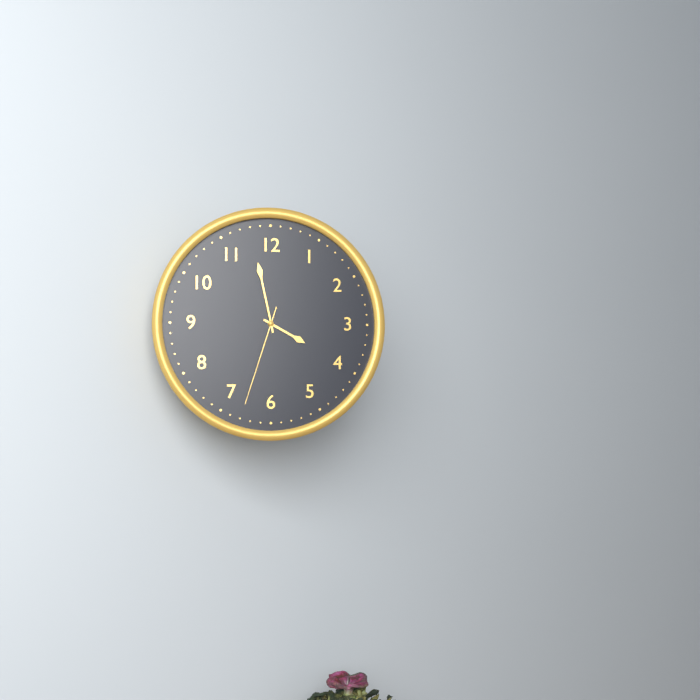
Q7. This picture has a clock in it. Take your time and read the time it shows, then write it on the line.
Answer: 3:58:33
